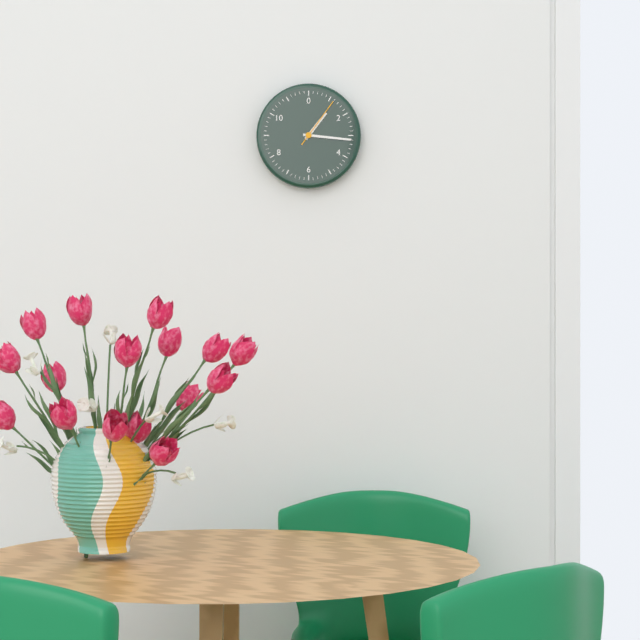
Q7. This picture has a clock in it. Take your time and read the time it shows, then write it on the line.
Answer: 1:16:06
